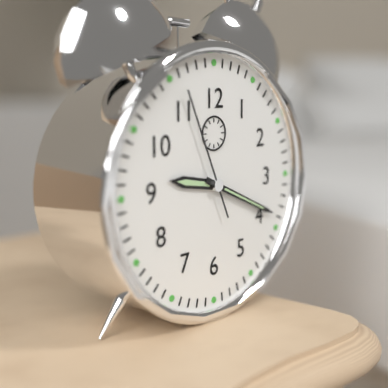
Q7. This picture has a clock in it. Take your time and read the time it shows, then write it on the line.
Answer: 9:19:56
